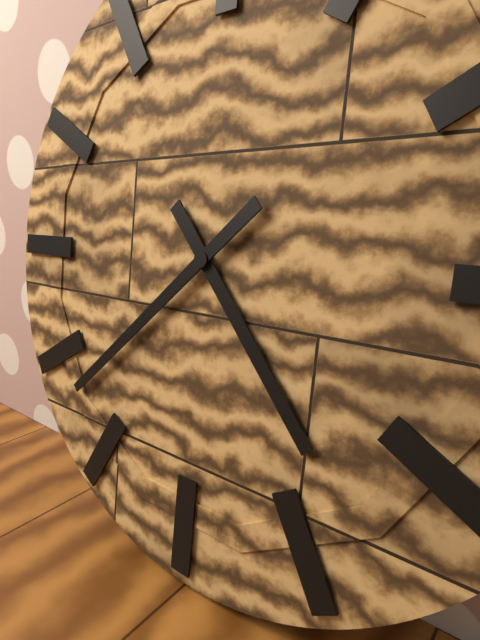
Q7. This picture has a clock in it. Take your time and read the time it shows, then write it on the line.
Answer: 4:38
